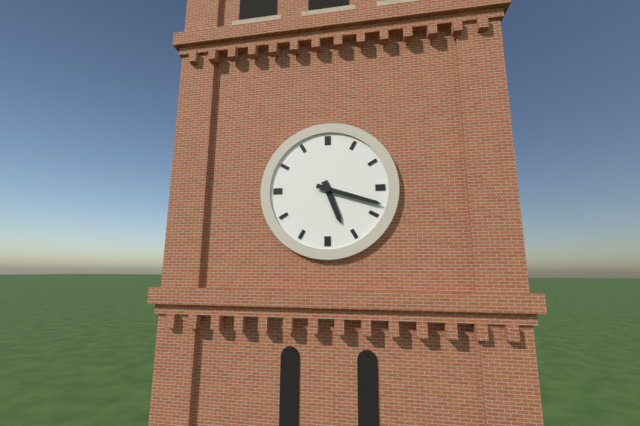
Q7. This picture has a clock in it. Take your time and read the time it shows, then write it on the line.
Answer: 5:18
